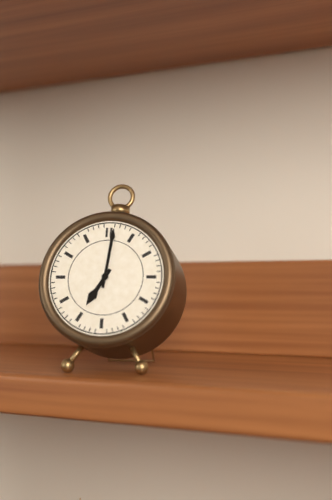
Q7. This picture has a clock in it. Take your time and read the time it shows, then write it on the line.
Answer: 7:01
